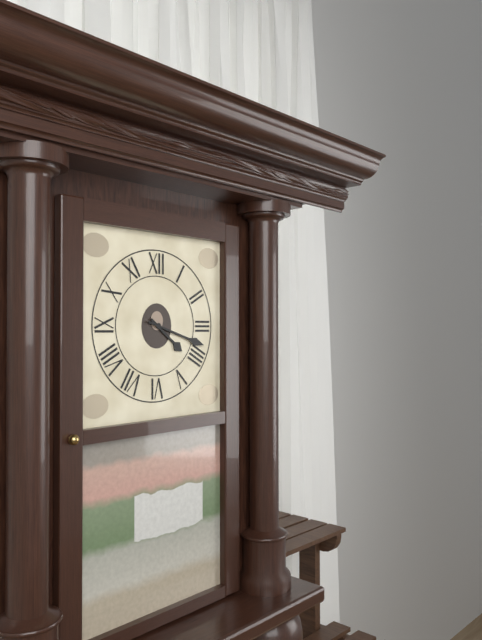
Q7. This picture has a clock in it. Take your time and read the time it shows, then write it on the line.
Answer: 4:18
